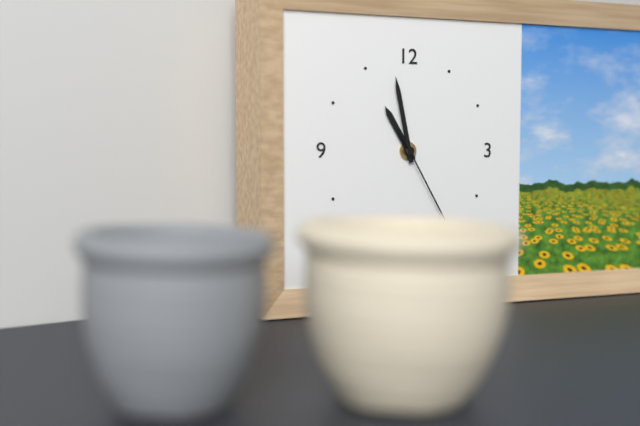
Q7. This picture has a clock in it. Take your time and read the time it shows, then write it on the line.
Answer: 10:58:25
